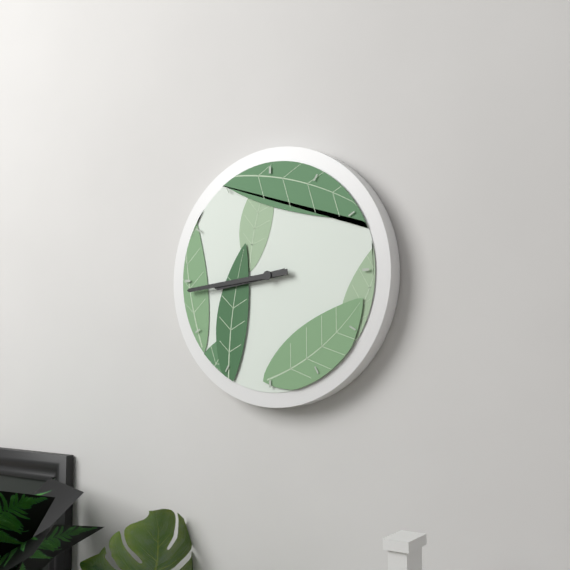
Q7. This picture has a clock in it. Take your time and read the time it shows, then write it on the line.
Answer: 8:44
